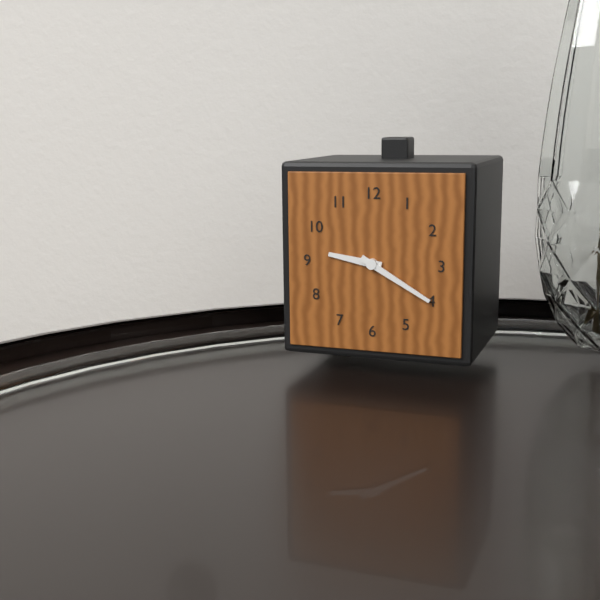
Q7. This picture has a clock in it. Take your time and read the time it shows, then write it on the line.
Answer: 9:20
